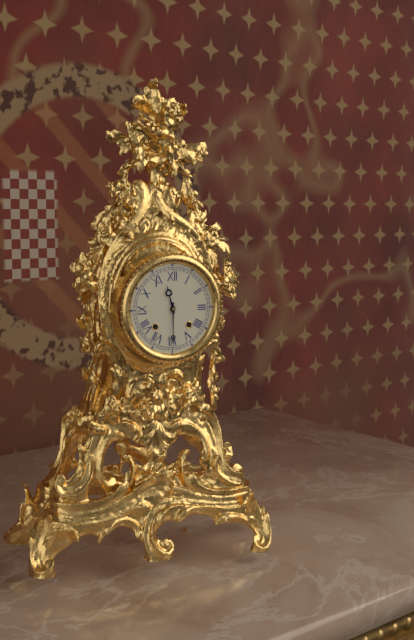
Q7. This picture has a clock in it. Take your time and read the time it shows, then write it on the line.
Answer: 11:30
